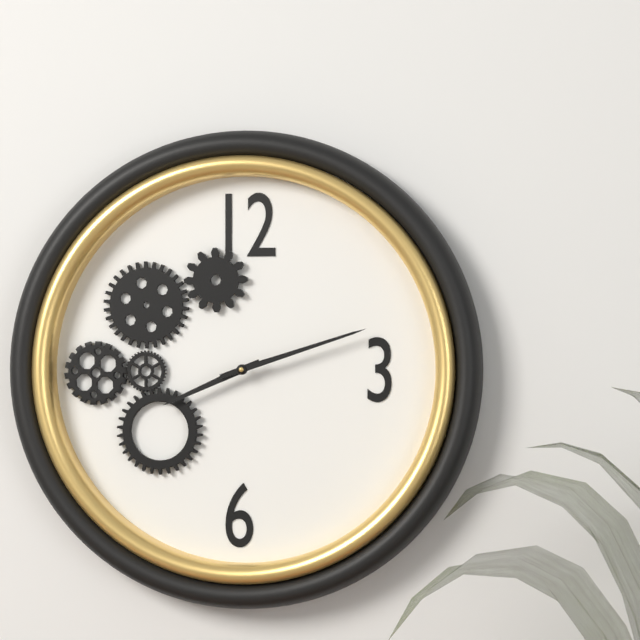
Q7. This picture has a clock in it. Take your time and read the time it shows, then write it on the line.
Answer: 8:12
